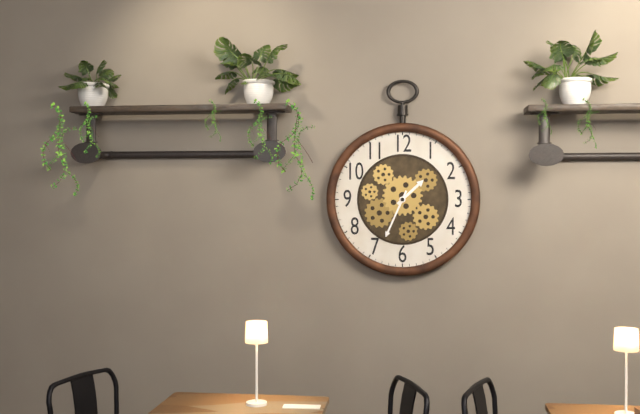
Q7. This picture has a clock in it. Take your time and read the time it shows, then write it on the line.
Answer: 1:34
